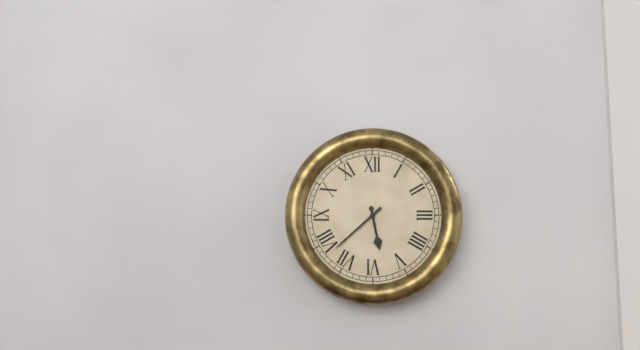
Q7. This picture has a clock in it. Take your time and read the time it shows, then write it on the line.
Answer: 5:38
